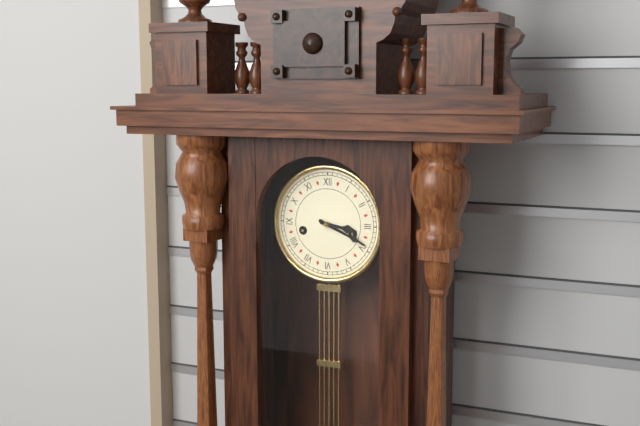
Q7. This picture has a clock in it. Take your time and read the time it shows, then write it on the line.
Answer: 3:19
